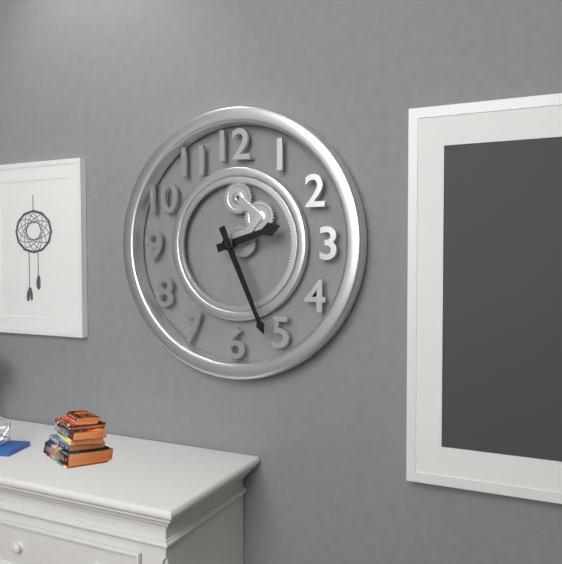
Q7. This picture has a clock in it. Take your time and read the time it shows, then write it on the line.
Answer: 2:26
